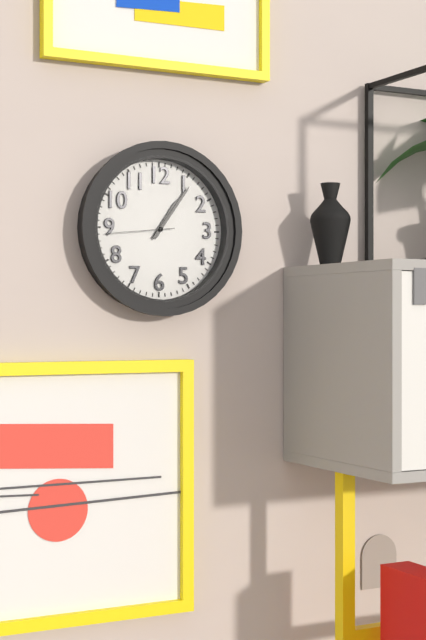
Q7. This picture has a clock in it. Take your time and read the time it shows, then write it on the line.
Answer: 1:06:44
